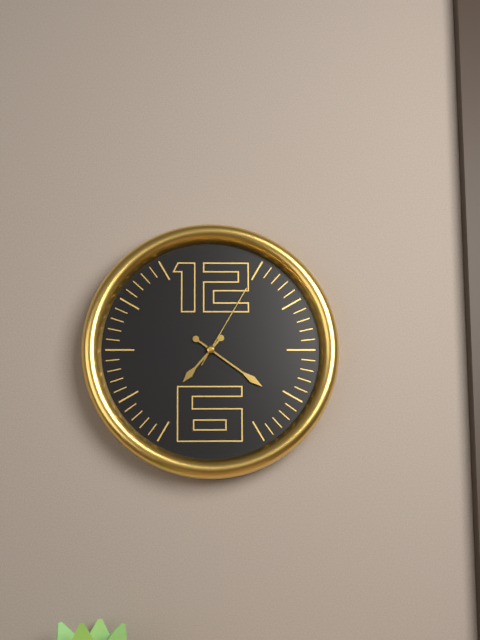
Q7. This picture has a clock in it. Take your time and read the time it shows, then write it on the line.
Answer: 7:21:05
